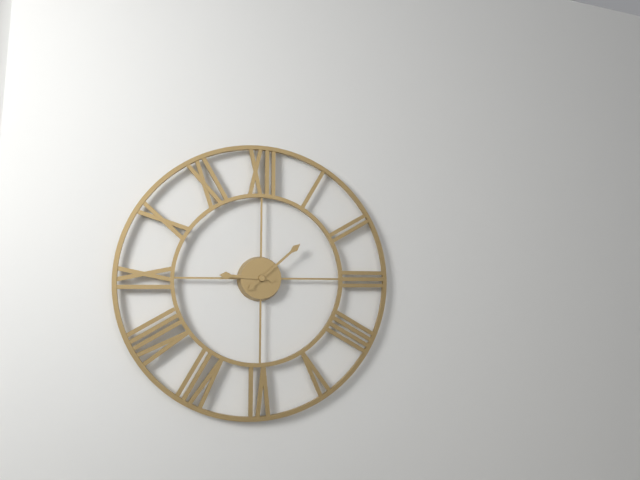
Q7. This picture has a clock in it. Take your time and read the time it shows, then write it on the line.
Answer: 9:08
